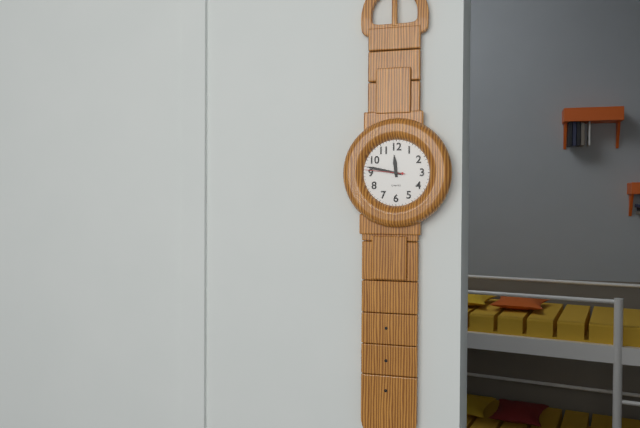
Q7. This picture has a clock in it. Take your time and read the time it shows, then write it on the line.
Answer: 11:47
